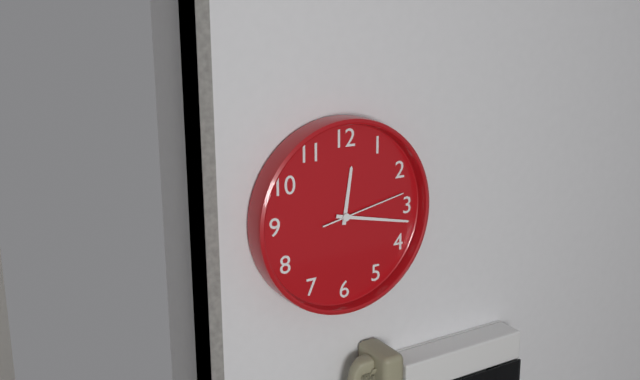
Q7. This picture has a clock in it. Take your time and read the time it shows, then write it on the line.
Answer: 12:17:13
